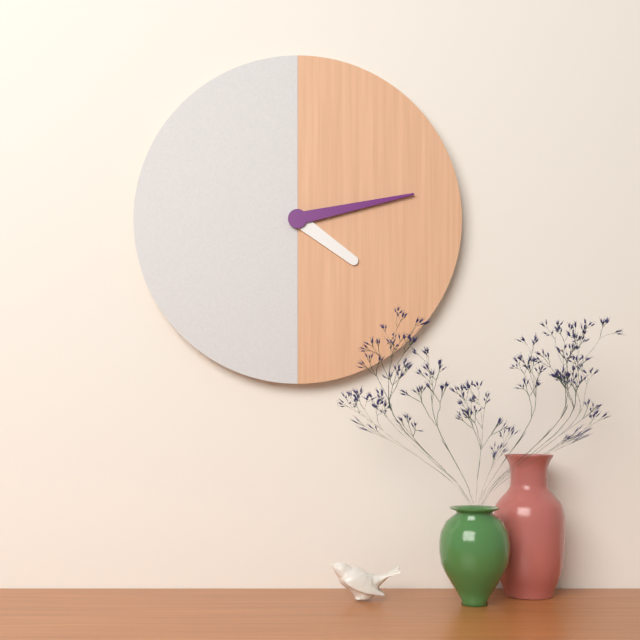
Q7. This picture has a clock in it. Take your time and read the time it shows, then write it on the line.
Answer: 4:13
